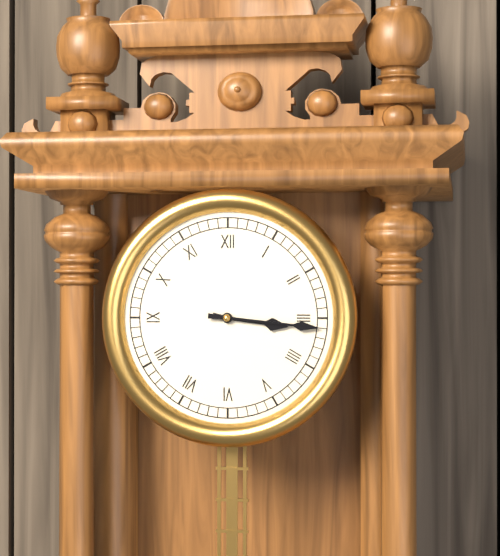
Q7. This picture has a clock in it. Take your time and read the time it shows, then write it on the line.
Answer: 3:16
